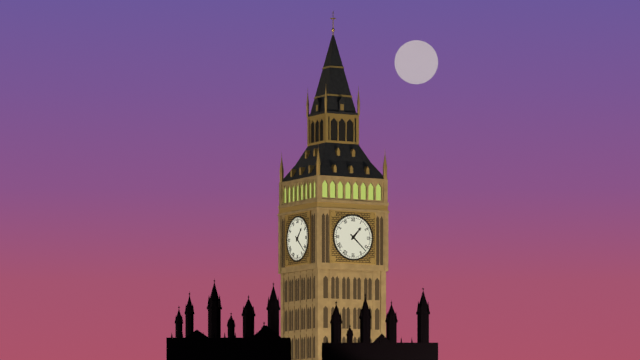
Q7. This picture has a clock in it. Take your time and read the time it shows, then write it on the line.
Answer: 1:22
